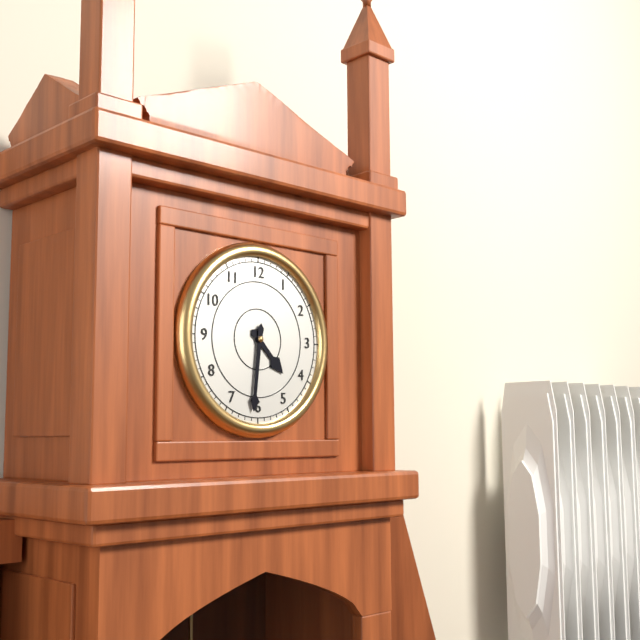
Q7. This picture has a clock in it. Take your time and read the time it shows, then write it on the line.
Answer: 4:31
